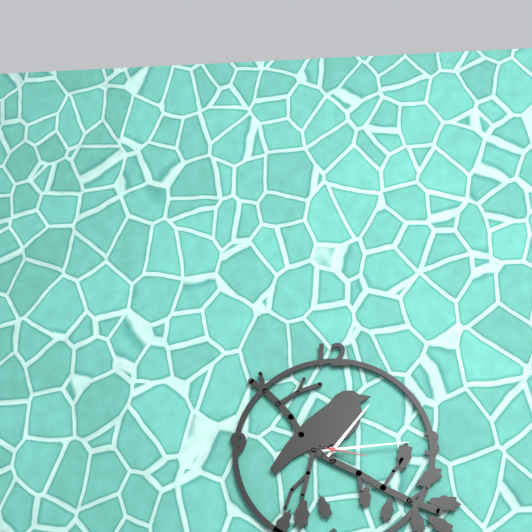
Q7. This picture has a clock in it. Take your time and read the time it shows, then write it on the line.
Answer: 1:14
